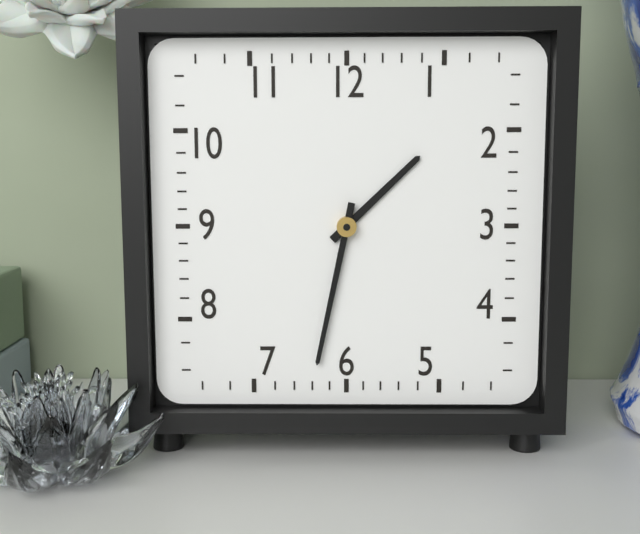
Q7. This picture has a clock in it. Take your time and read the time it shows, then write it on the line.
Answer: 1:32
